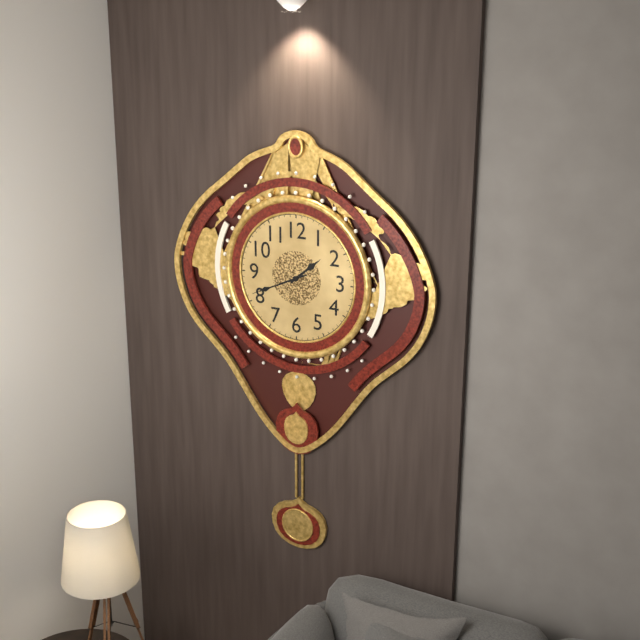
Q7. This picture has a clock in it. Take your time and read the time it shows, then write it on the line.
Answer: 1:41:41
